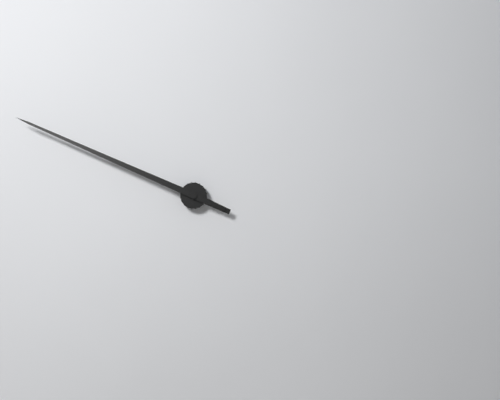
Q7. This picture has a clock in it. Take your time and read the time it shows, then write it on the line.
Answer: 9:49
